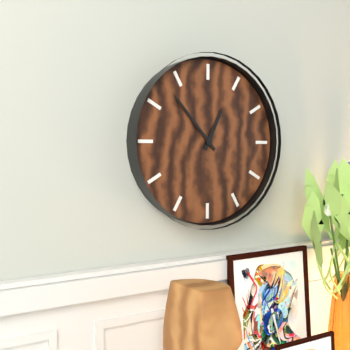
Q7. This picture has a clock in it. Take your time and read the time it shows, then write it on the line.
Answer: 12:53
